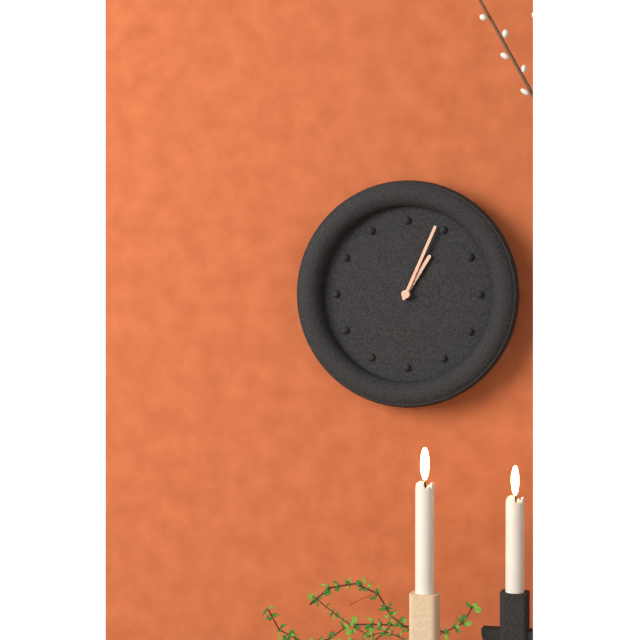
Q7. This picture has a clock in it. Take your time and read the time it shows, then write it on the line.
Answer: 1:04
